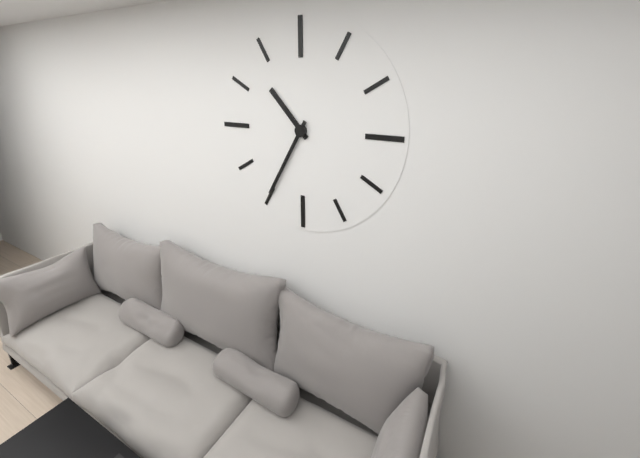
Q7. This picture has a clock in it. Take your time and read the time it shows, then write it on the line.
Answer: 10:35
